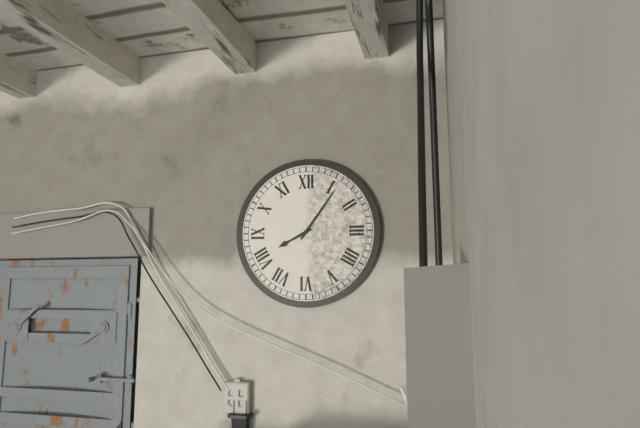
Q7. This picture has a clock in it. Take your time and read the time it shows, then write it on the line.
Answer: 8:06
